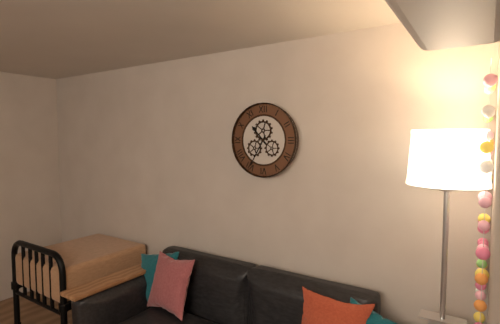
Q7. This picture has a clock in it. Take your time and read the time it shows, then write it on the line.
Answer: 10:35
